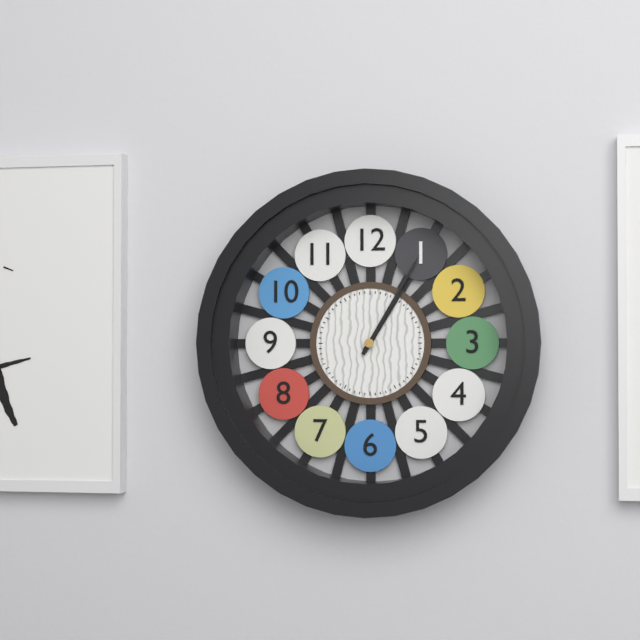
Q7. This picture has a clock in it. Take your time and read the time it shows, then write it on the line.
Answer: 1:05
